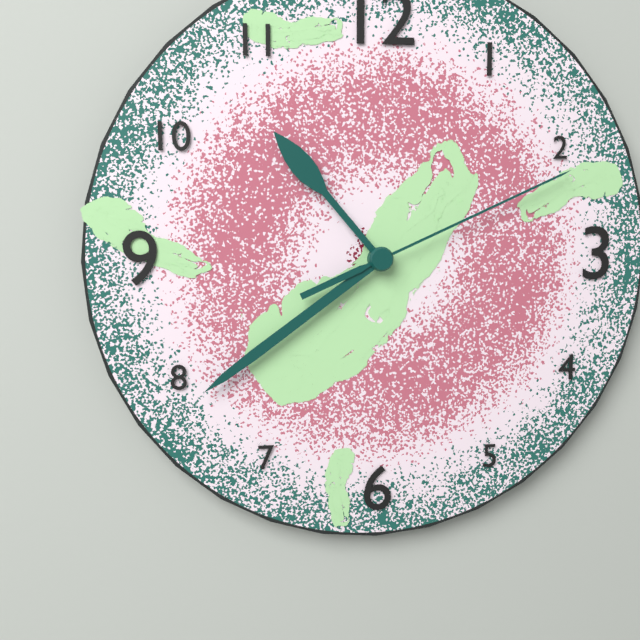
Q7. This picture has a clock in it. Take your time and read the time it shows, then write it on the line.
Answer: 10:39:11
